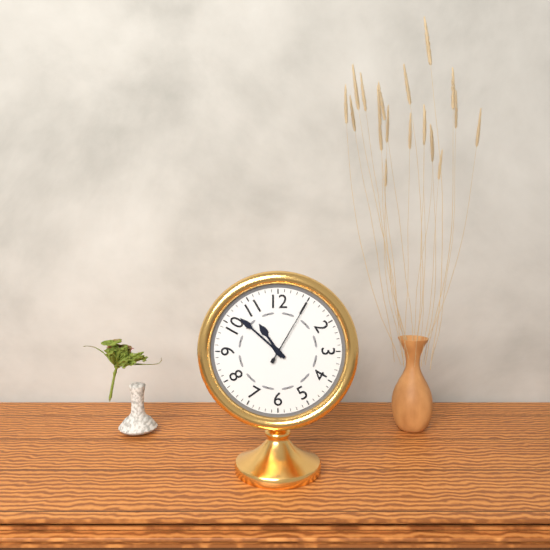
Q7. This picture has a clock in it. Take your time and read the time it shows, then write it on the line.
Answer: 10:52:05
